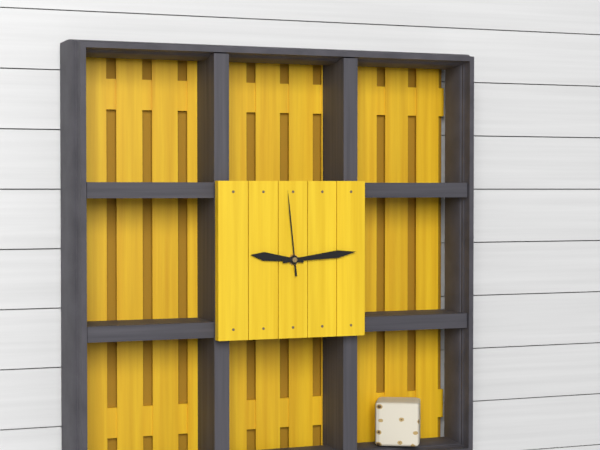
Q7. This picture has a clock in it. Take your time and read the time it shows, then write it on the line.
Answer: 9:14:59
